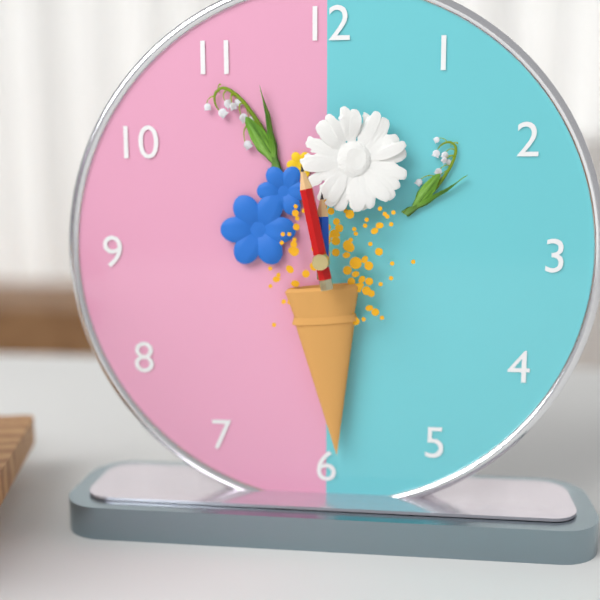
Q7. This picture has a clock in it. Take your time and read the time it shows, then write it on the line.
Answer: 11:58
